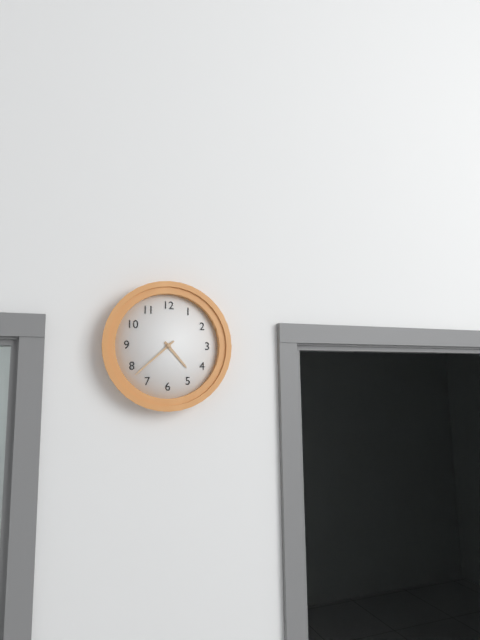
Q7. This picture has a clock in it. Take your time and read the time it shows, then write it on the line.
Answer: 4:38
